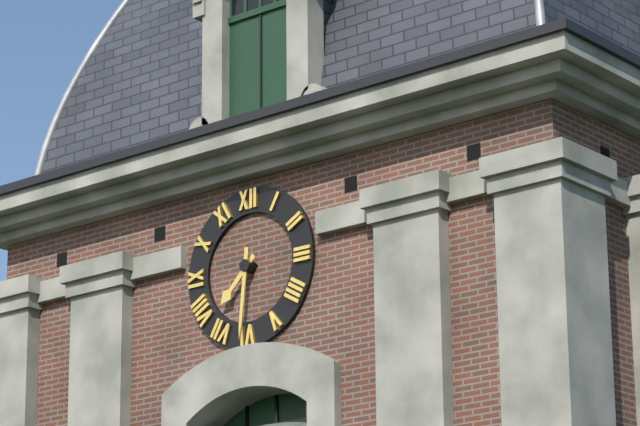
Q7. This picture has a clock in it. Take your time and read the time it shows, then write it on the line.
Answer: 7:31
